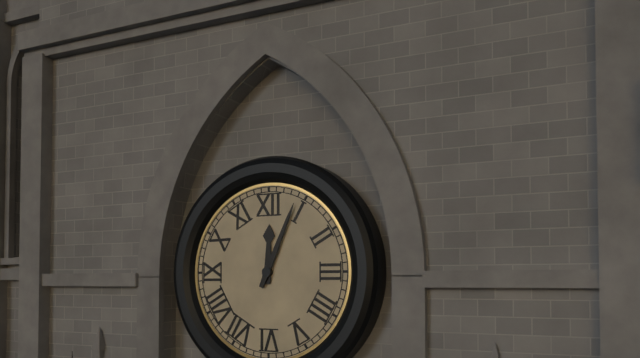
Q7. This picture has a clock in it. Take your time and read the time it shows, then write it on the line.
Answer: 12:04
